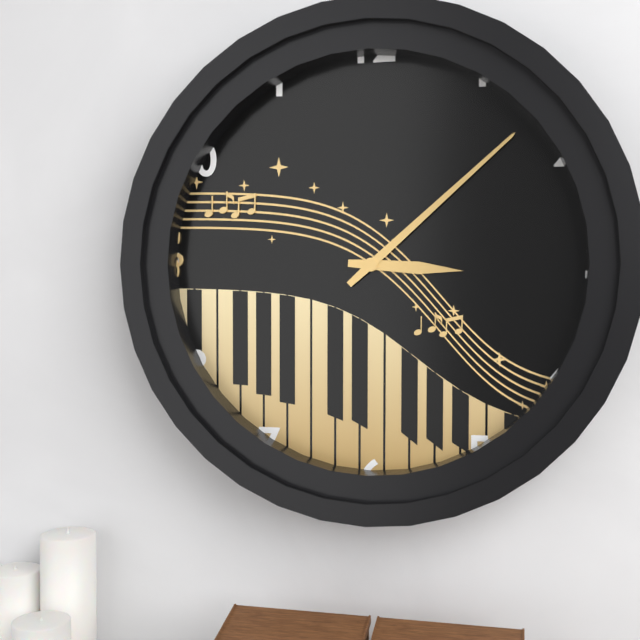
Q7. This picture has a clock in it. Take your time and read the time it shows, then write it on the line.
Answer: 3:08
